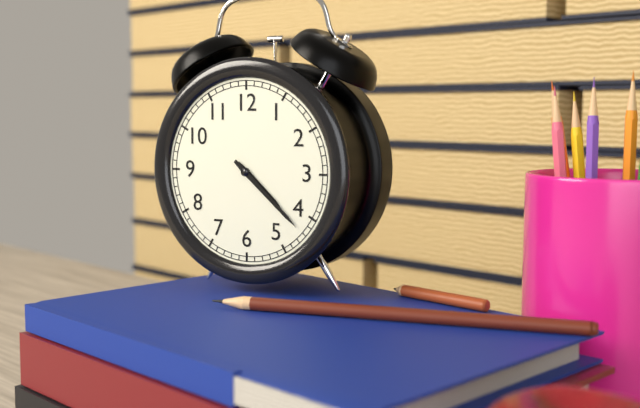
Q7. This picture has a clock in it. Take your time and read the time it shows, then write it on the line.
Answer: 4:22
